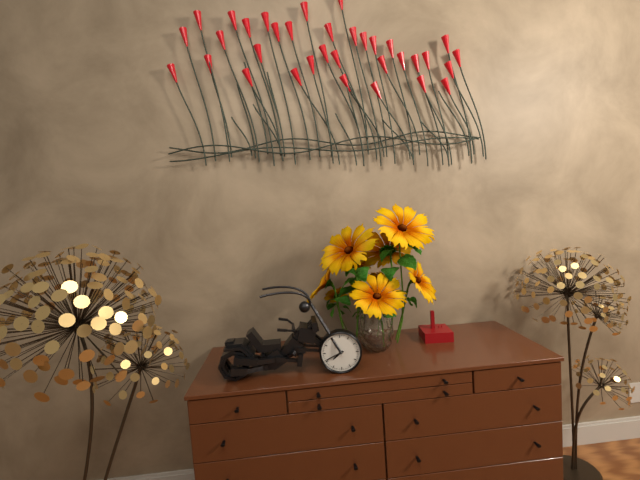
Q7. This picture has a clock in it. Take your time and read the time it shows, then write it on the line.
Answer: 7:41
